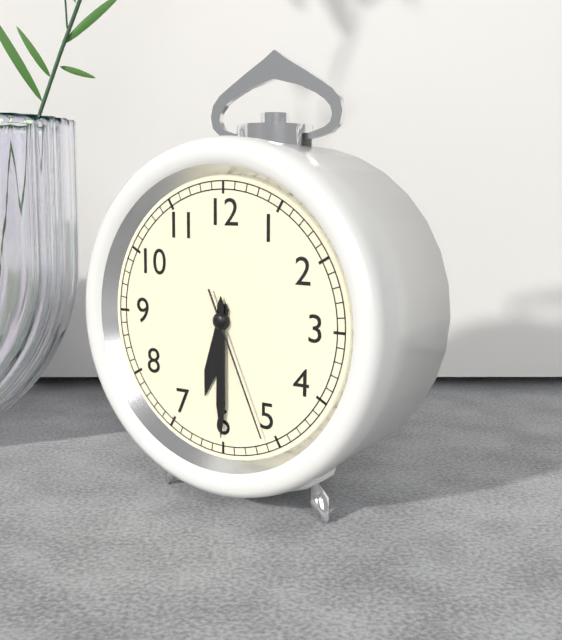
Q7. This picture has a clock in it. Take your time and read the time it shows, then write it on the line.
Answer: 6:30:26
